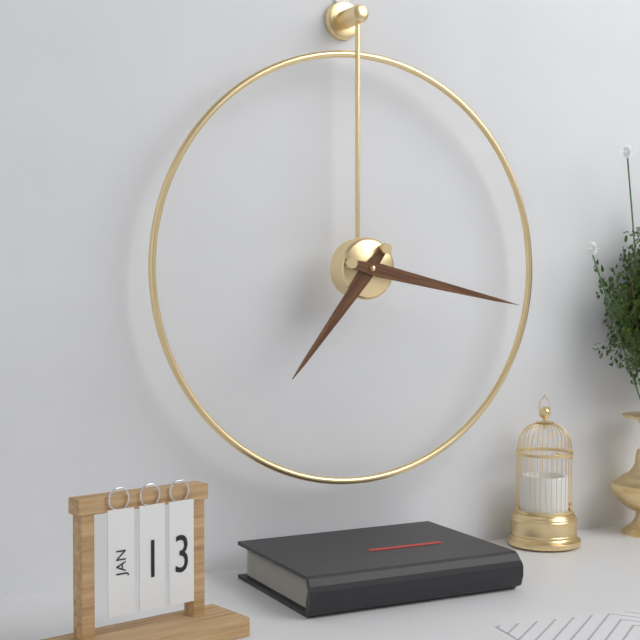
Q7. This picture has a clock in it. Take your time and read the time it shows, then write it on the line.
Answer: 7:17
